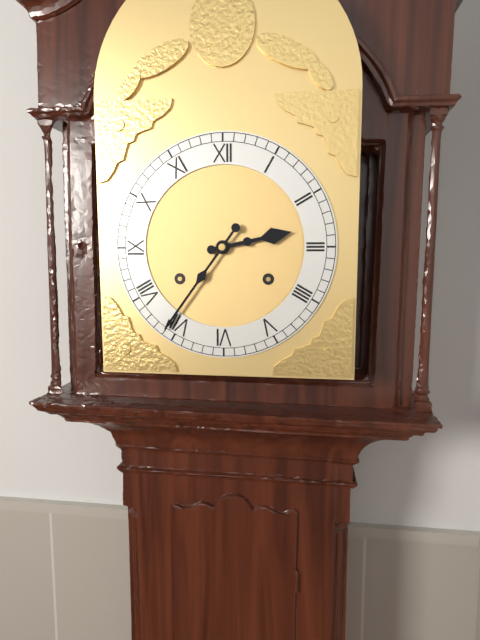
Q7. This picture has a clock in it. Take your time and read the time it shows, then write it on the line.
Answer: 2:36
